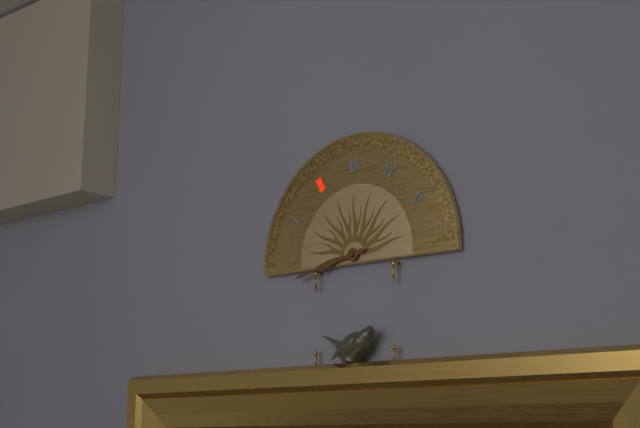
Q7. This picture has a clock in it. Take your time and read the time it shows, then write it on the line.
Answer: 8:43
